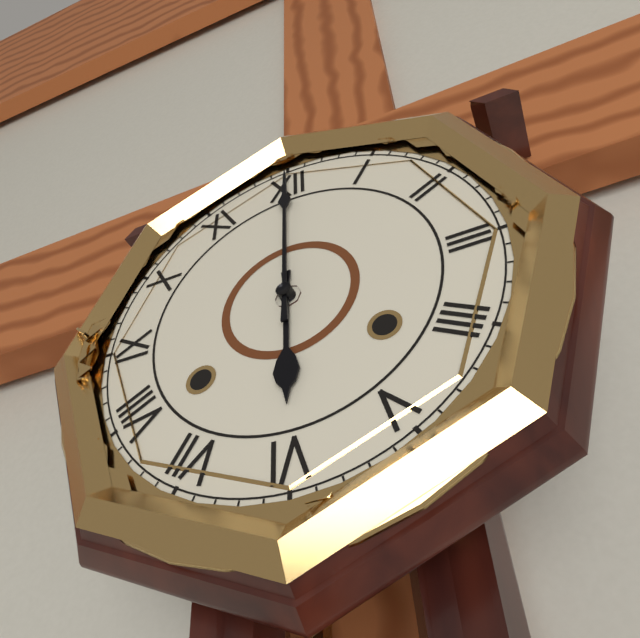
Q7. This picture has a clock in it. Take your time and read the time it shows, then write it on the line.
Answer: 6:00
